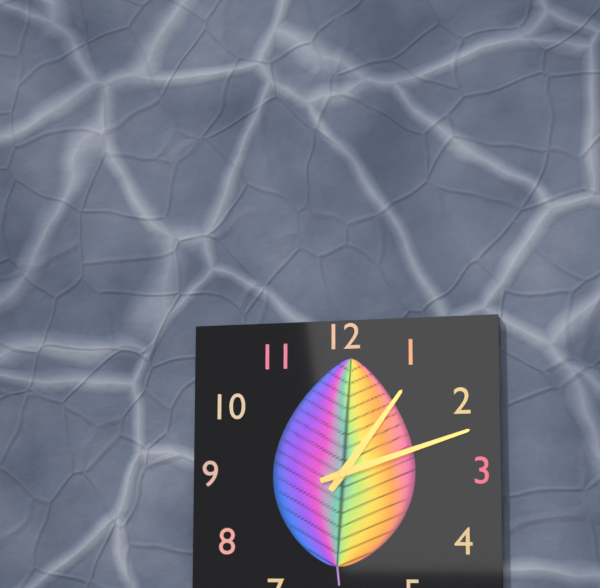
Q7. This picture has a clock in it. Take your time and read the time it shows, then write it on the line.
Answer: 1:12
